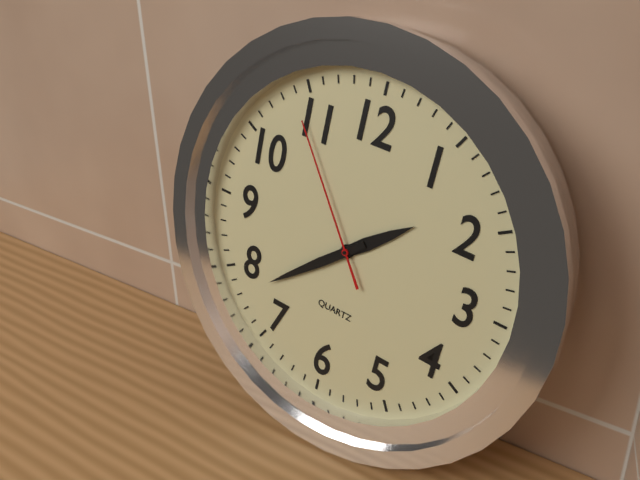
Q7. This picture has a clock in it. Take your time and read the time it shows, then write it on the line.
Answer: 1:38:54
